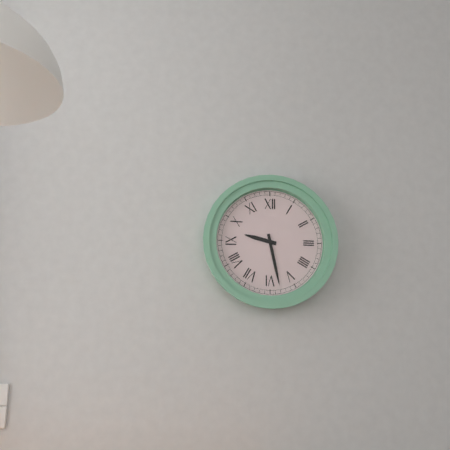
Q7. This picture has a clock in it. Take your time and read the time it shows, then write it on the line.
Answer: 9:28
